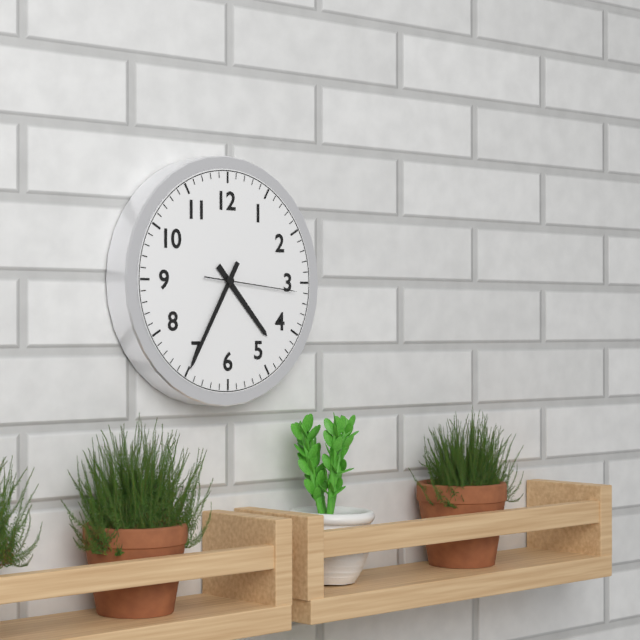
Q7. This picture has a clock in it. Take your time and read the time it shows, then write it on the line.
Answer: 4:35:16
